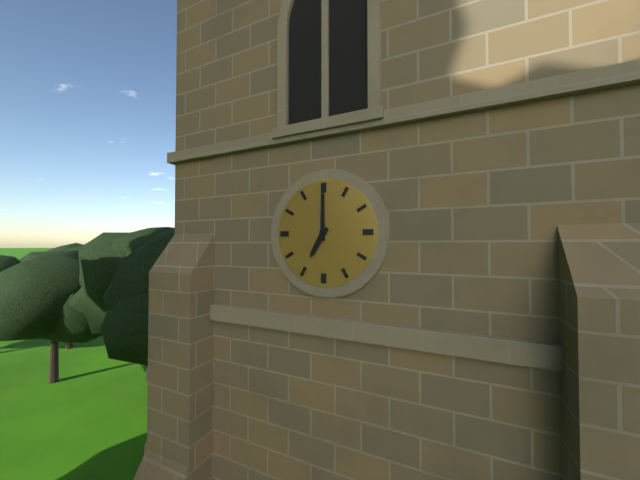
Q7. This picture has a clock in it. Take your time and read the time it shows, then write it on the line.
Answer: 7:00
